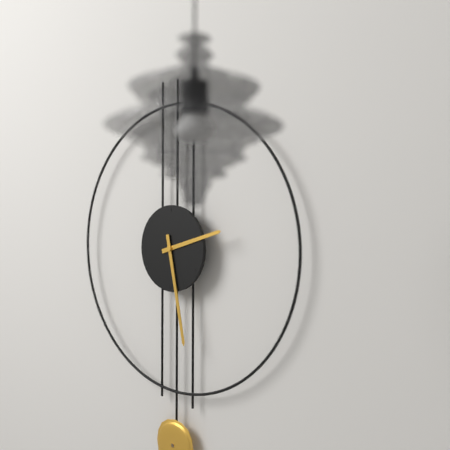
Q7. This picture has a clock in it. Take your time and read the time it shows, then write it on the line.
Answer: 2:28
